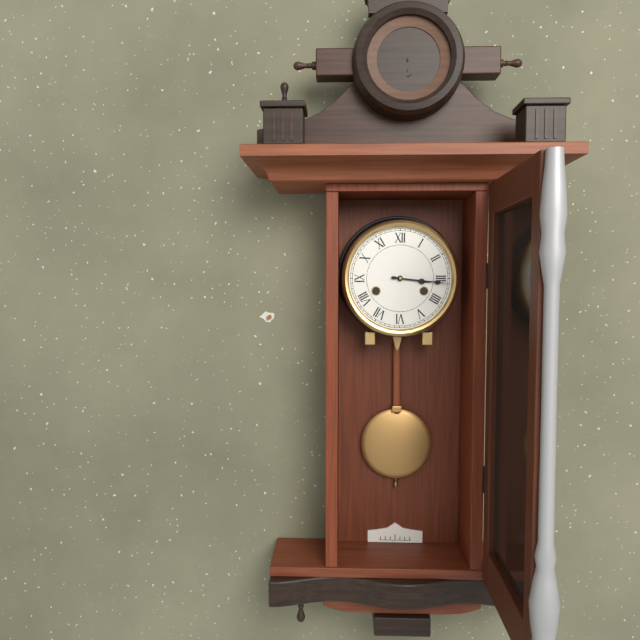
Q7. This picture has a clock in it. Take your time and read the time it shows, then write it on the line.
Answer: 3:16
